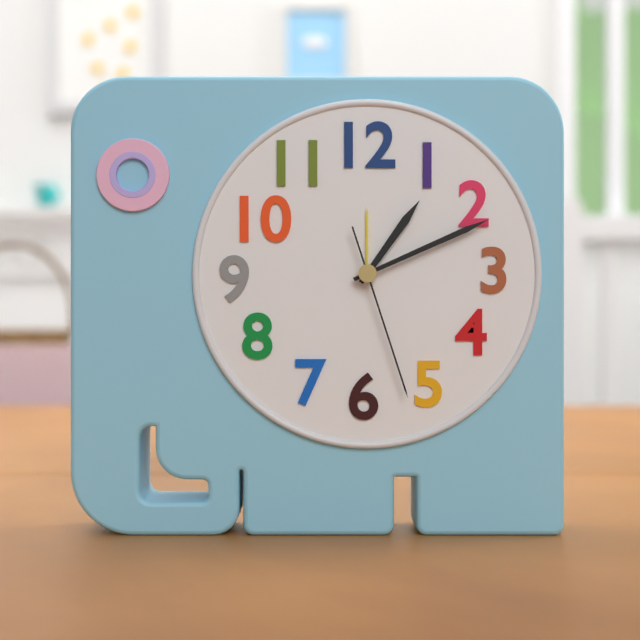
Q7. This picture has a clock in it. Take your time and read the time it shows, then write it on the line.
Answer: 1:11:27
